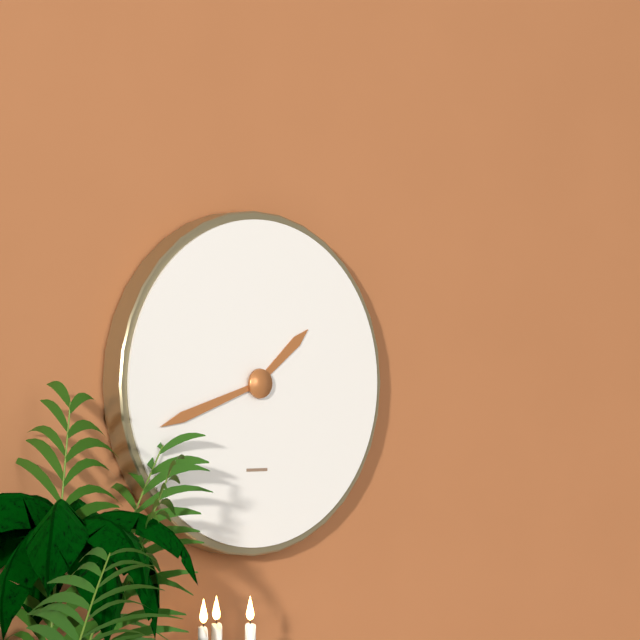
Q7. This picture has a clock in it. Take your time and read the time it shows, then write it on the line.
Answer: 1:42
